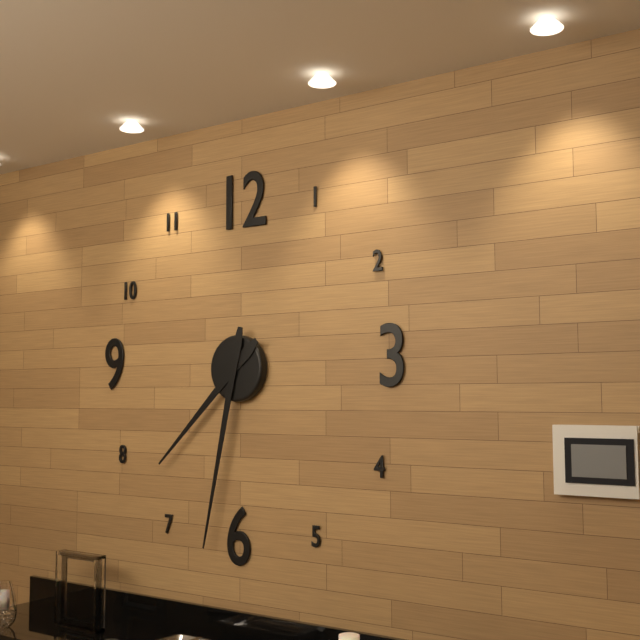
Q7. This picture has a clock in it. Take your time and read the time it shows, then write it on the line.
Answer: 7:32
